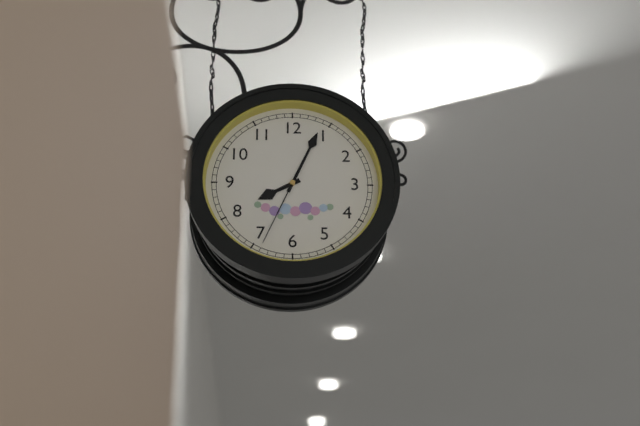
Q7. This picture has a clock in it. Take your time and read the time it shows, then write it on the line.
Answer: 8:04:34
